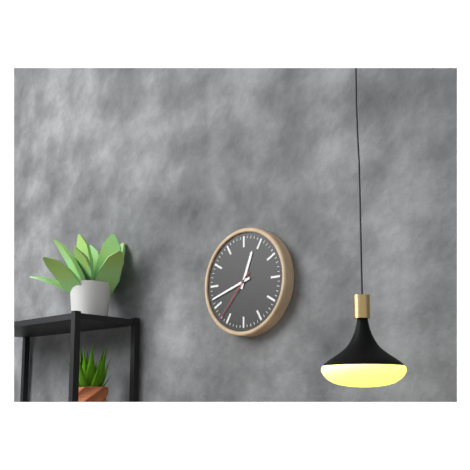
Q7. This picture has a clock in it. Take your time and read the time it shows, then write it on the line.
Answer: 12:42:37
